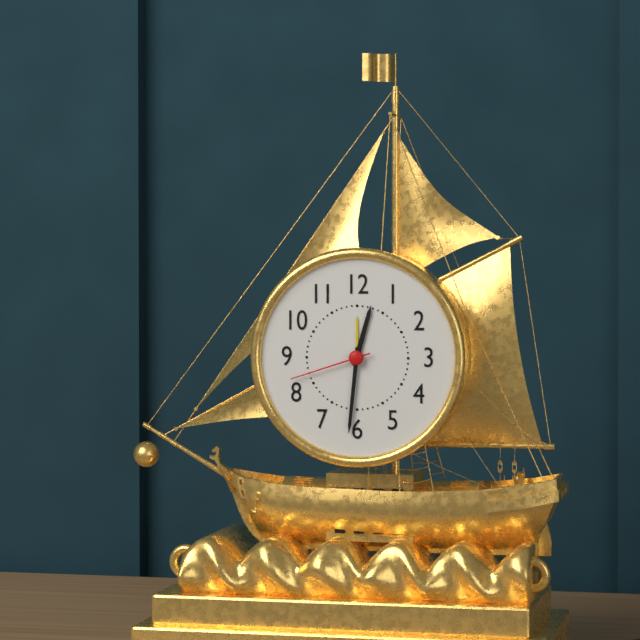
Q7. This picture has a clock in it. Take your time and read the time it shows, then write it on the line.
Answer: 12:31:42
